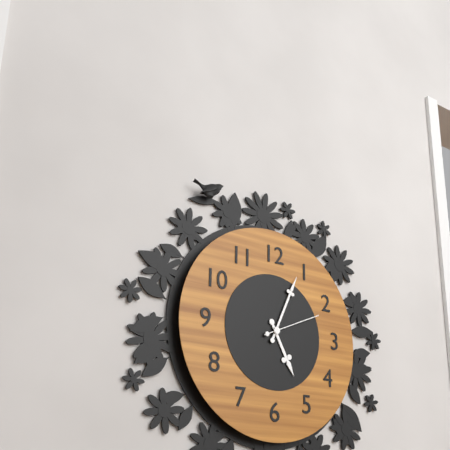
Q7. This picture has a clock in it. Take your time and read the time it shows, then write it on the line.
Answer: 5:04:11
